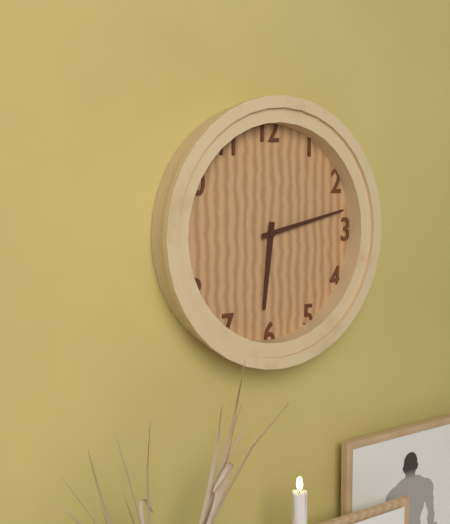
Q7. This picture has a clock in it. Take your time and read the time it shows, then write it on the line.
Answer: 6:13
